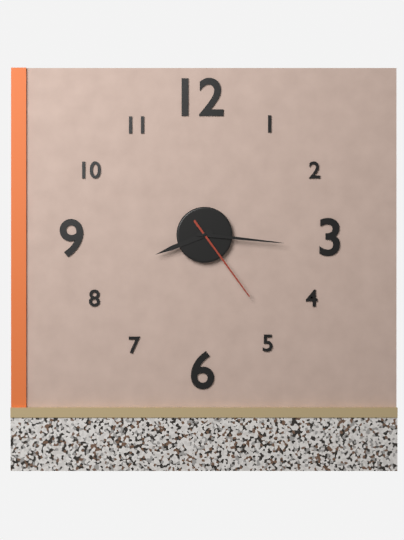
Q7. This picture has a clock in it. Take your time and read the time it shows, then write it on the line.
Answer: 8:16:24
